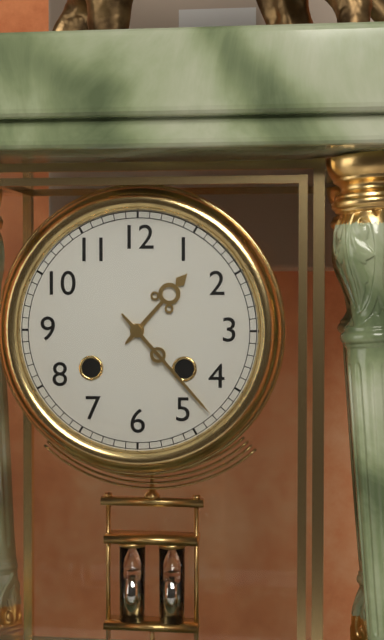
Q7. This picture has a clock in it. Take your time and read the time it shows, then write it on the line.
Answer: 1:23
